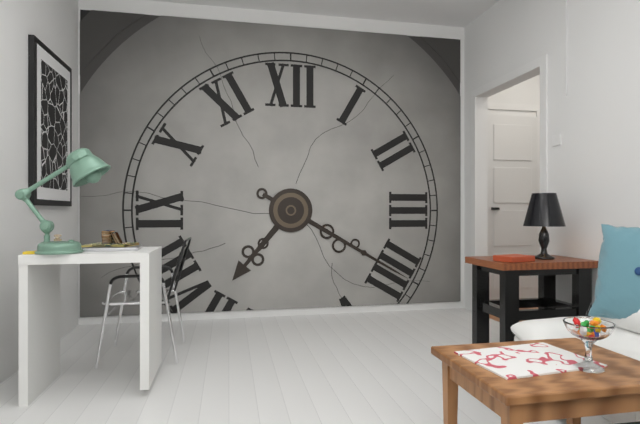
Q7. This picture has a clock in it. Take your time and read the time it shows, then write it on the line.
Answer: 7:20
